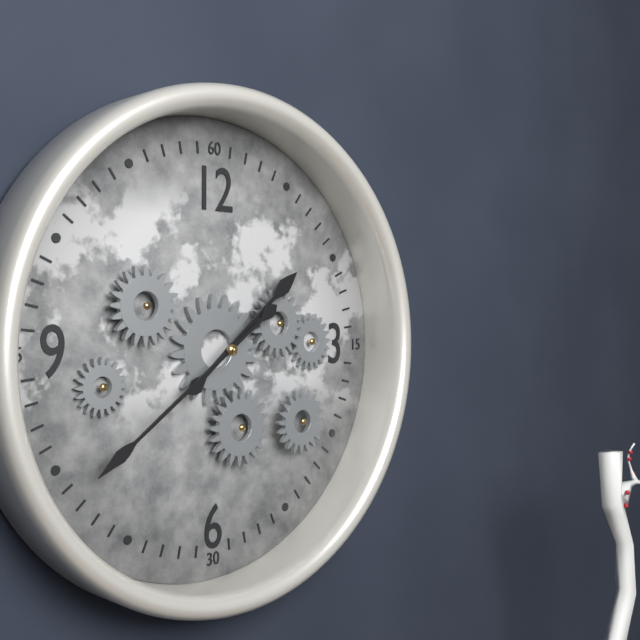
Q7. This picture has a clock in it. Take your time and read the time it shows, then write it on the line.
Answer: 1:39
